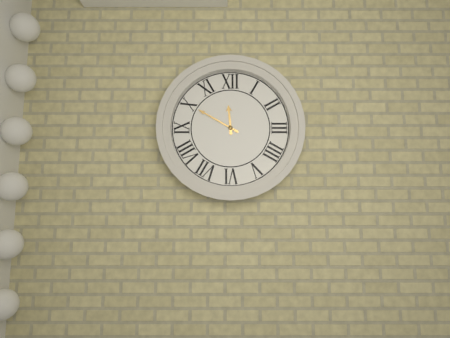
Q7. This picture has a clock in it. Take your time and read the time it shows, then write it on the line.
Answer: 11:50
